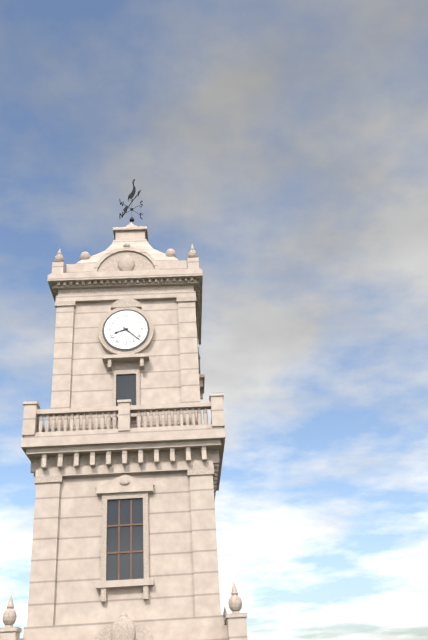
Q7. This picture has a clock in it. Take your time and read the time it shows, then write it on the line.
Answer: 8:22
